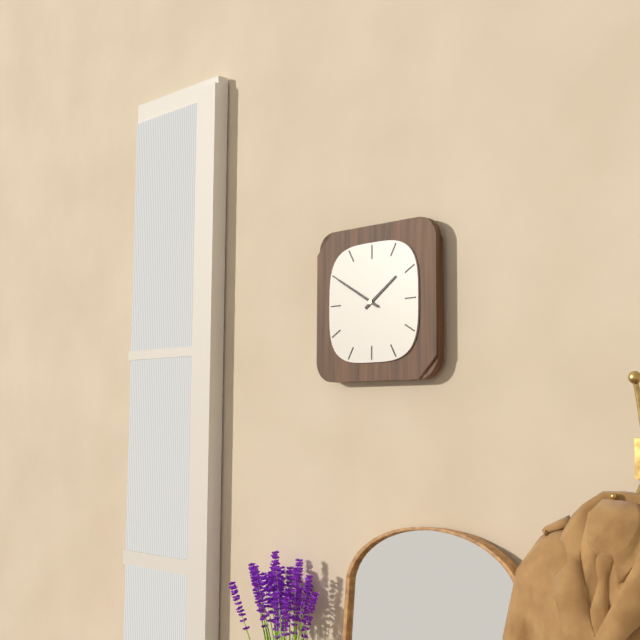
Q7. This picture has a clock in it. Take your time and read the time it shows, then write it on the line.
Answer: 1:50
